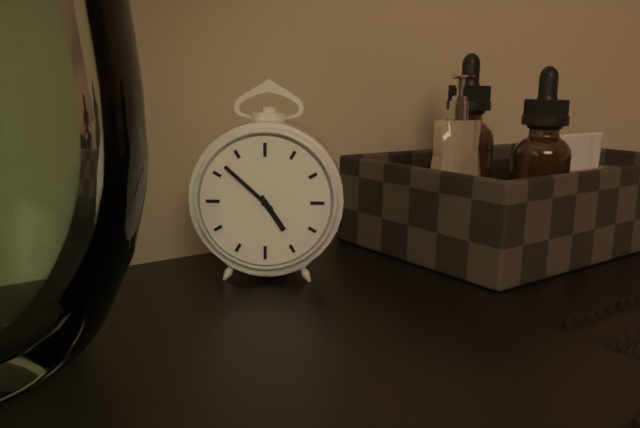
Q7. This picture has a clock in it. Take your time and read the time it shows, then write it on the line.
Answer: 4:52
